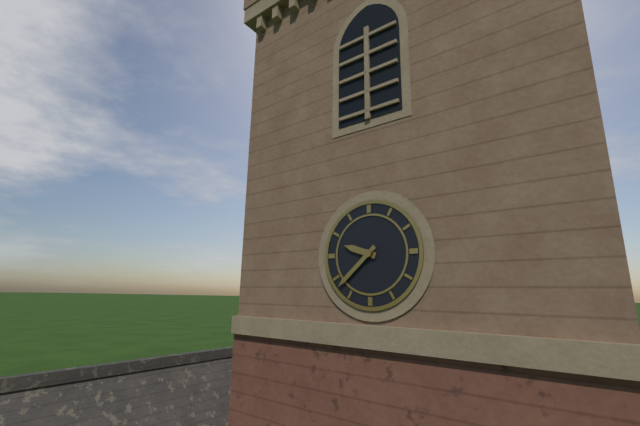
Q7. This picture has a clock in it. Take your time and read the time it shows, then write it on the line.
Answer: 9:38
